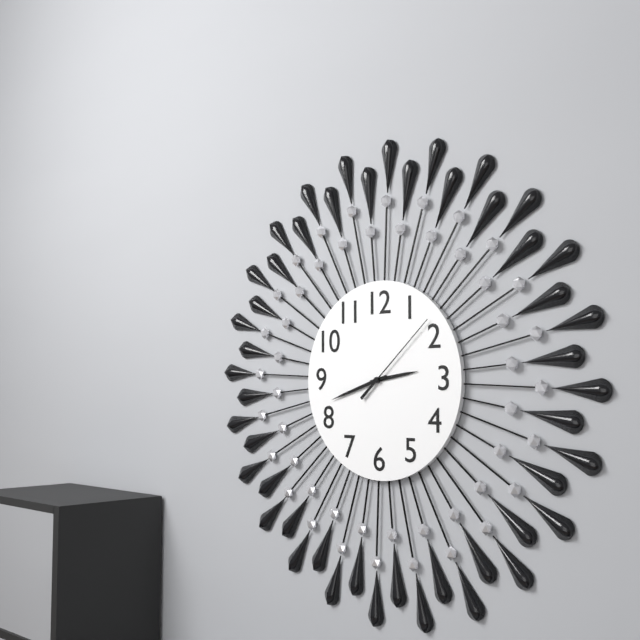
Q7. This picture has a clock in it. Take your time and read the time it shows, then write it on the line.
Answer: 2:42:08
